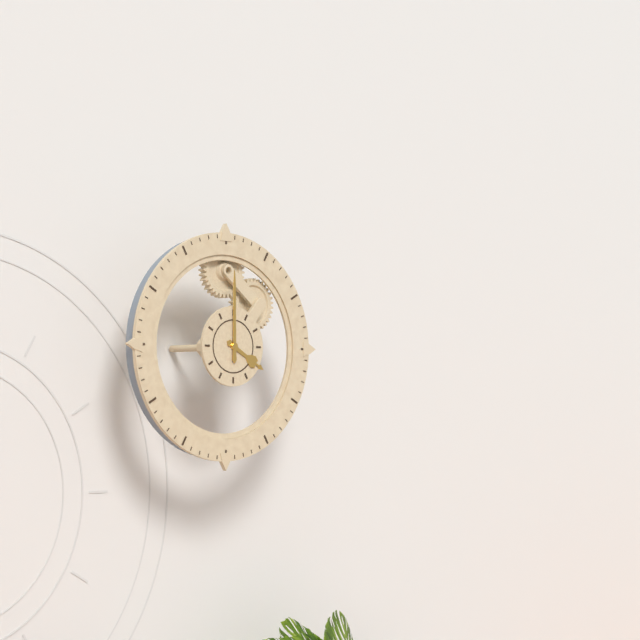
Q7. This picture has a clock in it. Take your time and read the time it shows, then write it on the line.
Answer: 4:00
